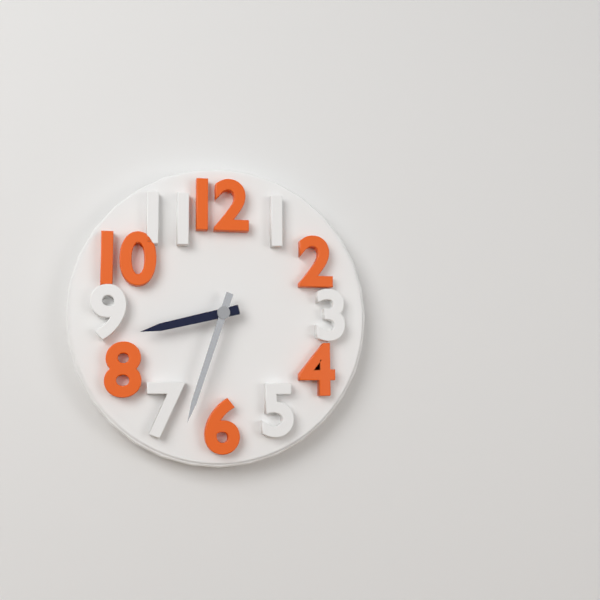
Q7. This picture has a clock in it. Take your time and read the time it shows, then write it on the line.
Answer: 8:33
